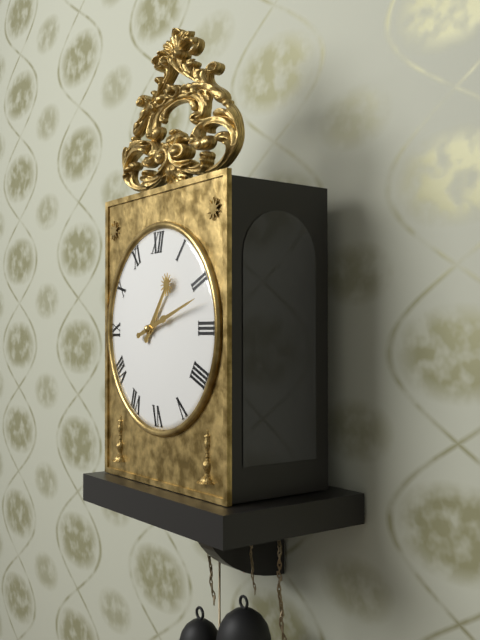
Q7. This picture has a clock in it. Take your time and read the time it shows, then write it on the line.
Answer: 1:12
